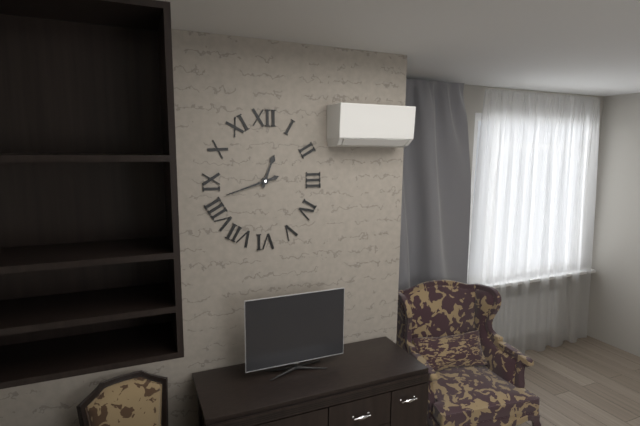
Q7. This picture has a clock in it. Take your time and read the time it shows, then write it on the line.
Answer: 12:42
